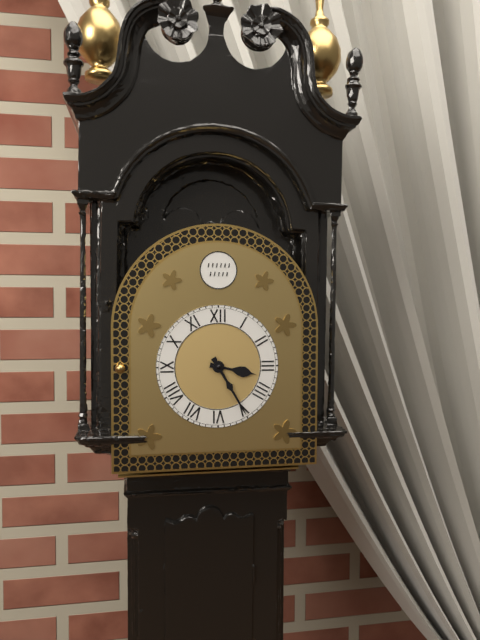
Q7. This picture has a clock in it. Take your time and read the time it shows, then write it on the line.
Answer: 3:25
